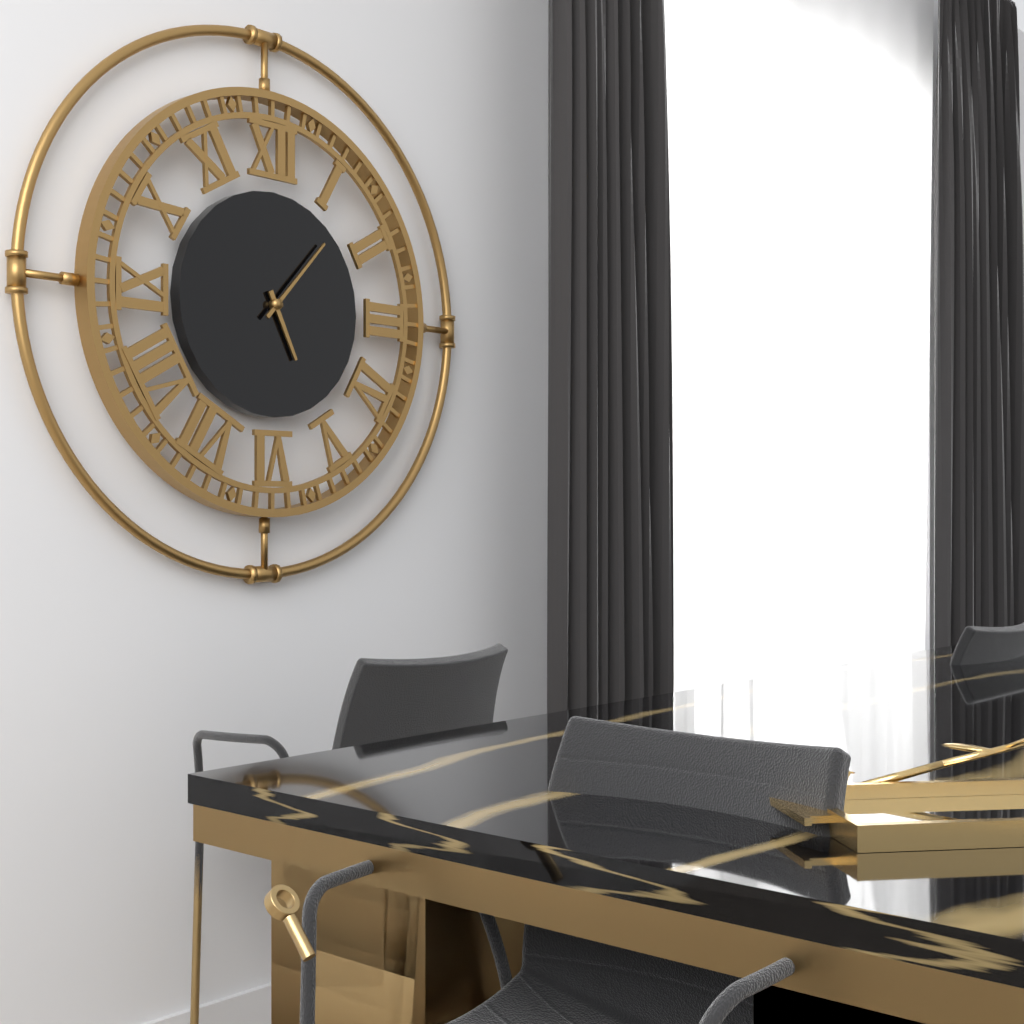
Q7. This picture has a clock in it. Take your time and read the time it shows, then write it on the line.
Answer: 5:07
